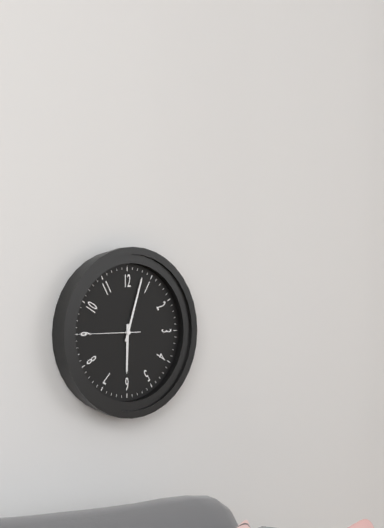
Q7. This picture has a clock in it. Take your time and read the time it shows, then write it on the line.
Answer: 6:03:45
